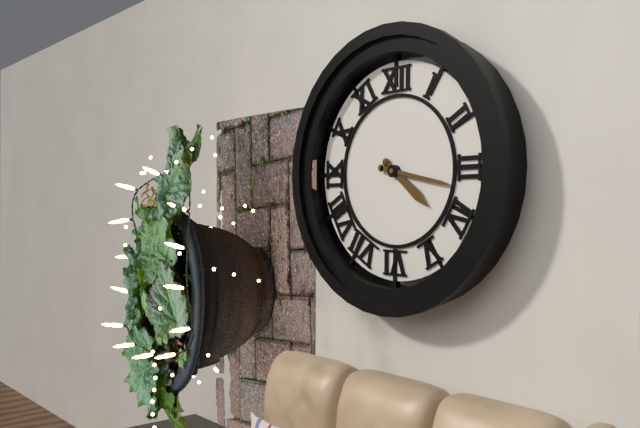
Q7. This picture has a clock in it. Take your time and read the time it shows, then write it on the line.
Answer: 4:17
